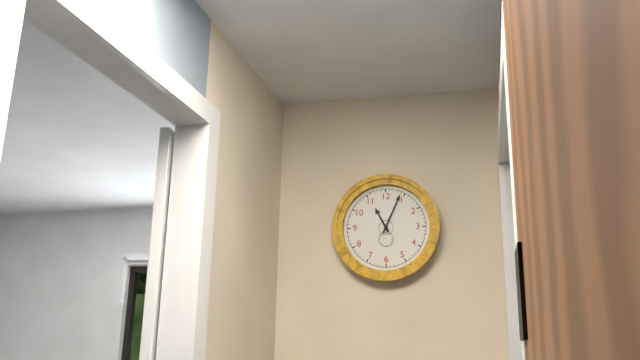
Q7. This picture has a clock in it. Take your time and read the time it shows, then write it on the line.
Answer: 11:04
